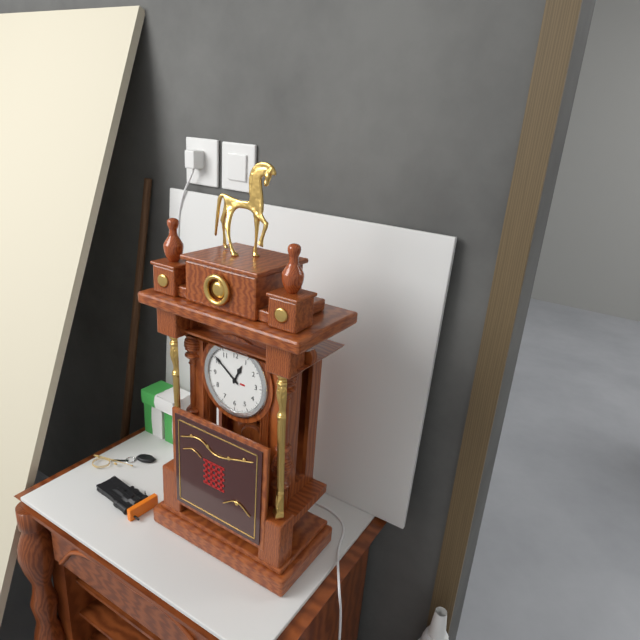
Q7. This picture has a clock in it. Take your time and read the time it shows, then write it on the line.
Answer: 12:51
